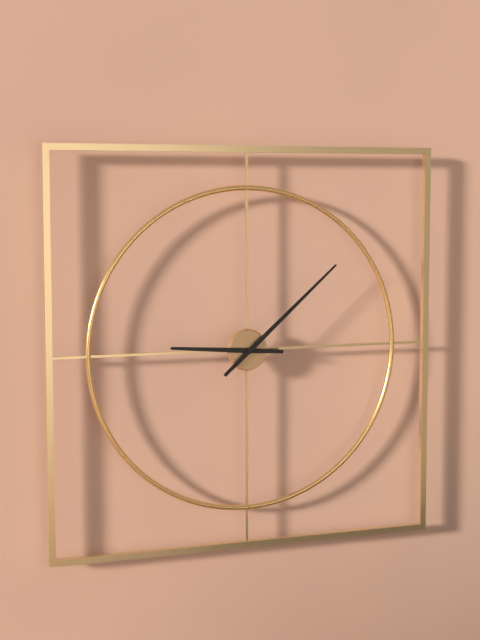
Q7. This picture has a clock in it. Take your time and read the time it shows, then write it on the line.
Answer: 9:08
